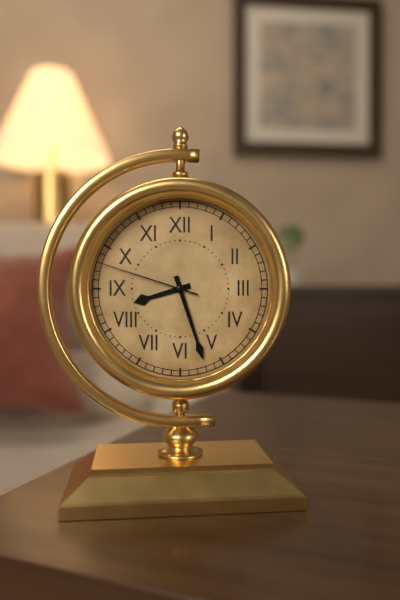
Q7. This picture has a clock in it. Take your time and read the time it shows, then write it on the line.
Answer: 8:27:48
